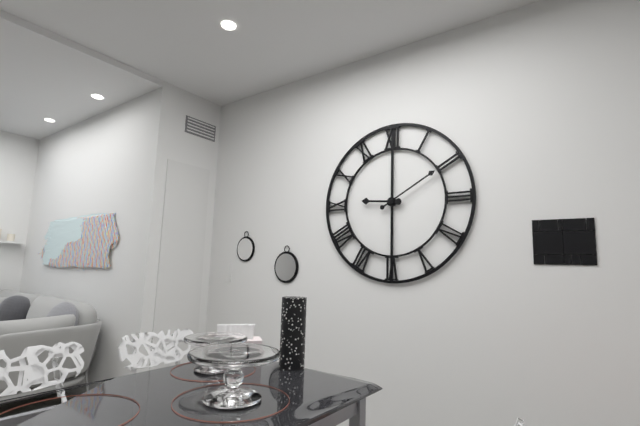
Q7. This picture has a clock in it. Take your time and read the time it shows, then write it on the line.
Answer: 9:10
